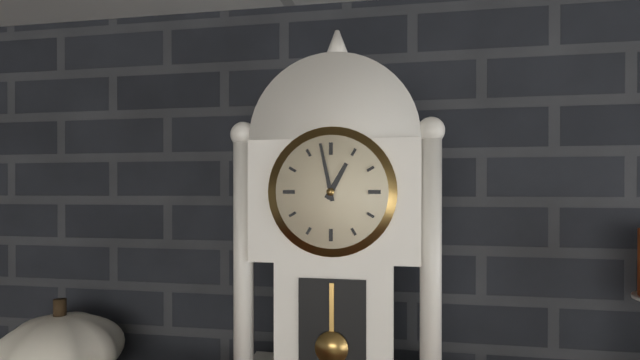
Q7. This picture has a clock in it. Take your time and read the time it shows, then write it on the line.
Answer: 12:58
